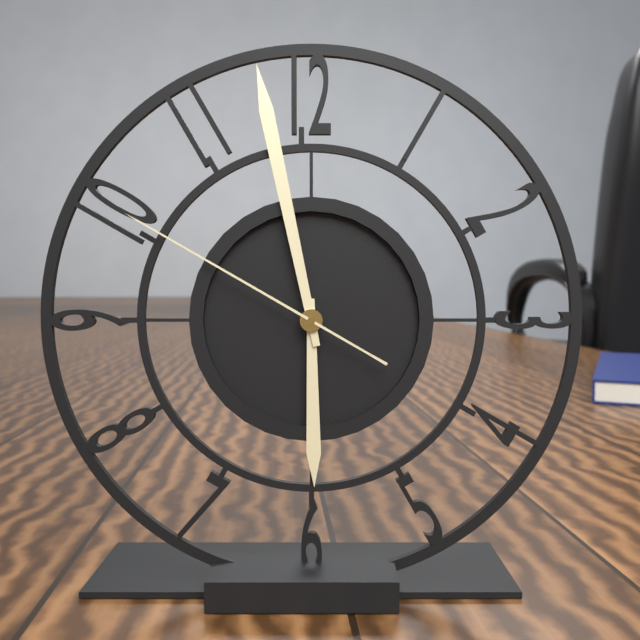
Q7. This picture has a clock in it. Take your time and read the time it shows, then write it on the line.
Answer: 5:58:50
